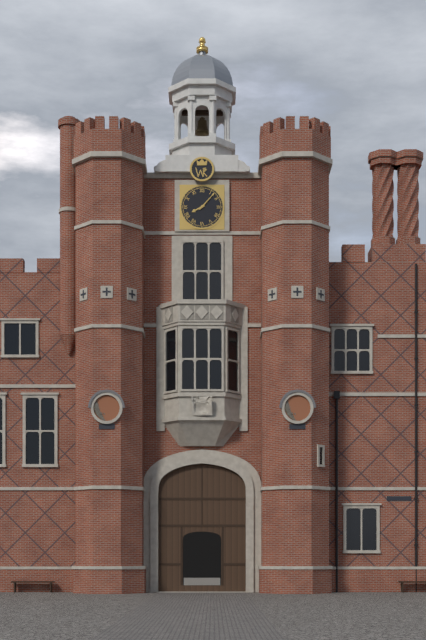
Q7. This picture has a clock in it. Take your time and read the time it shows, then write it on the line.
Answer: 8:07
